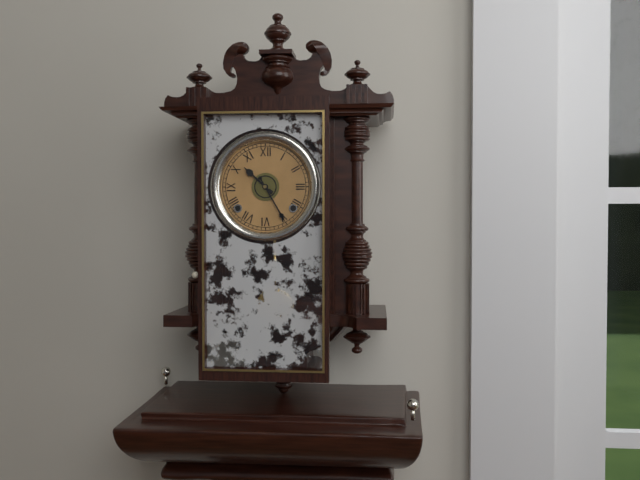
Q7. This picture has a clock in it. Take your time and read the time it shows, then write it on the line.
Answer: 10:25
